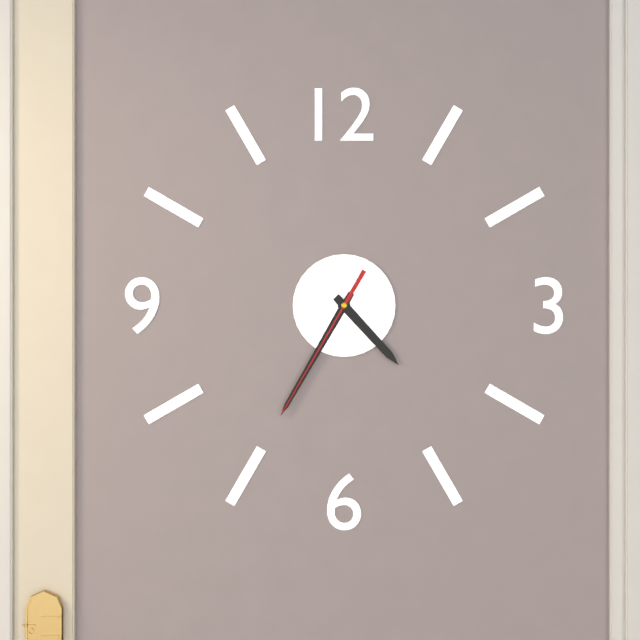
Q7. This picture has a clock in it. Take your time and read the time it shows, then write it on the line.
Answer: 4:35:35
